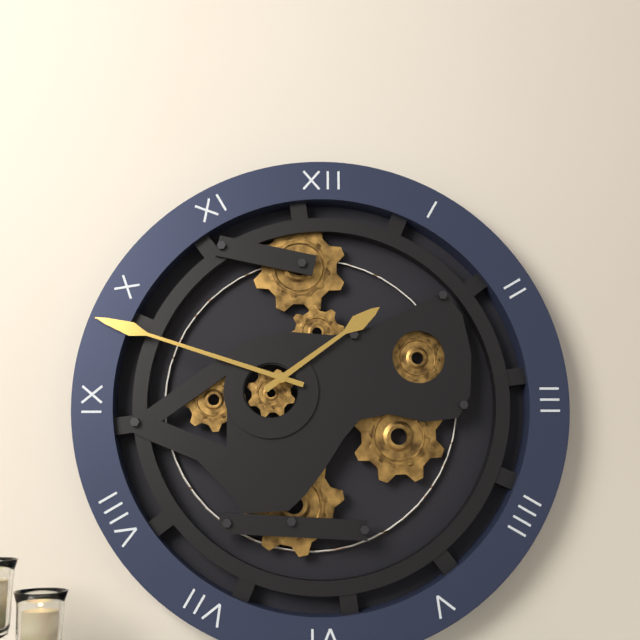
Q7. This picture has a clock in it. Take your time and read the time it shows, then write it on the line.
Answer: 1:48
